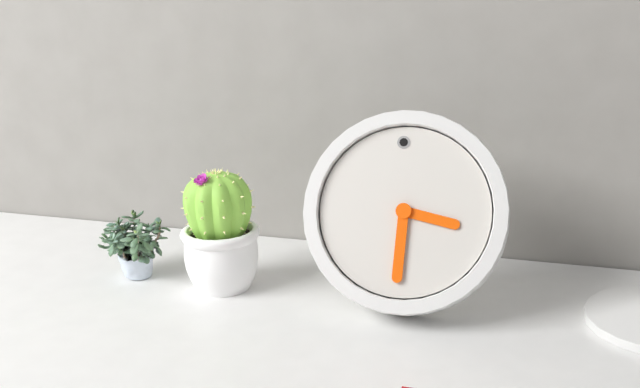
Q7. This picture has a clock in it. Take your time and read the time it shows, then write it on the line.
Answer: 3:31
